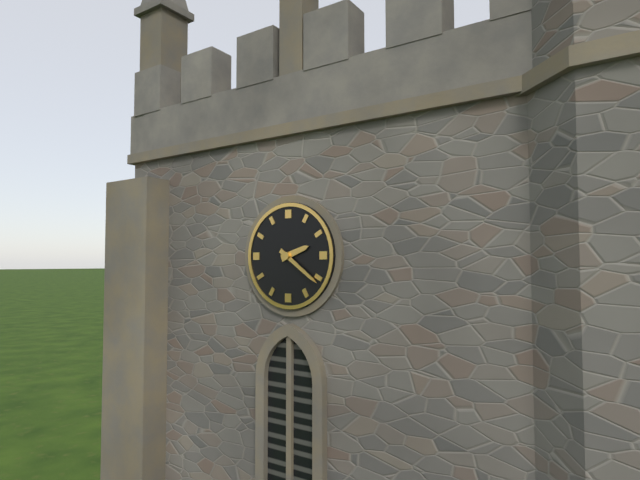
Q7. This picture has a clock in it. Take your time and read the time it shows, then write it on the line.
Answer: 2:21
